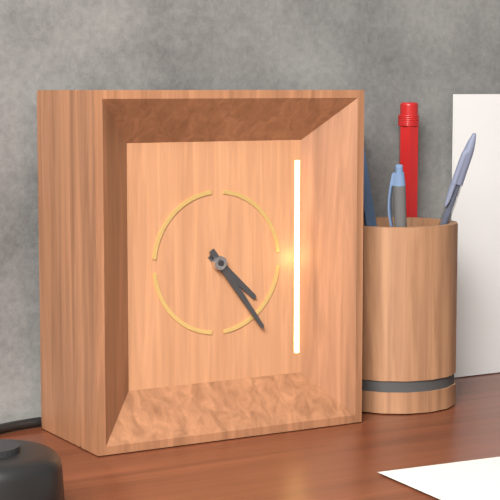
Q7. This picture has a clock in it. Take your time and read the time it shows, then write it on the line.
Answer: 4:24
